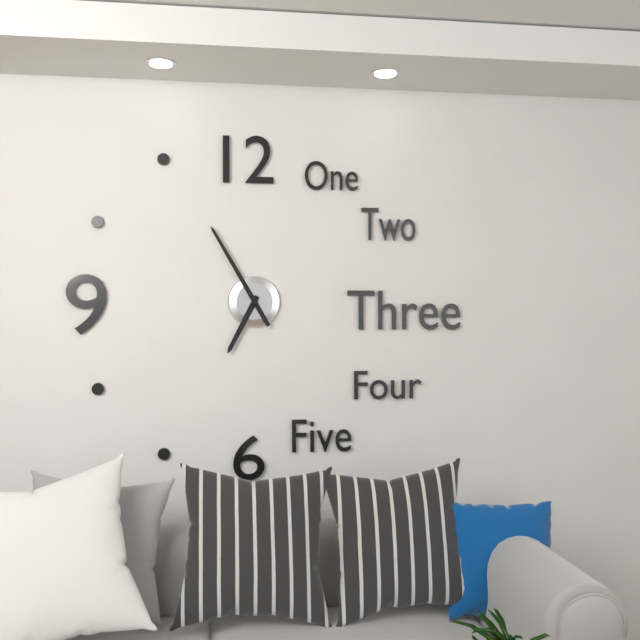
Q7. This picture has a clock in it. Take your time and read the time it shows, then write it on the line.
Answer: 6:55
